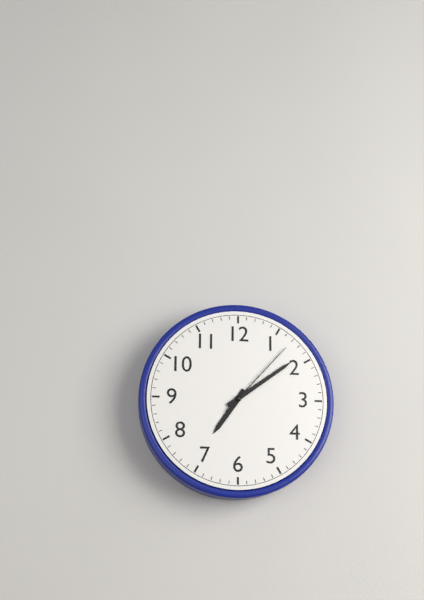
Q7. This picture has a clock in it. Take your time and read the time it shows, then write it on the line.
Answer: 7:09:07
